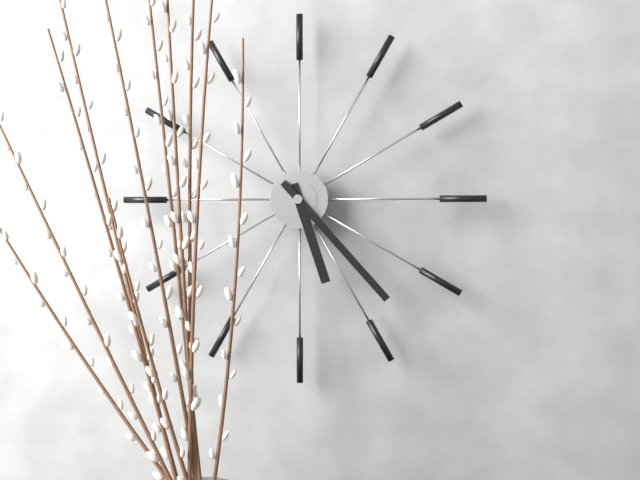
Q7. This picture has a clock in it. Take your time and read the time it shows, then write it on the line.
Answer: 5:23
